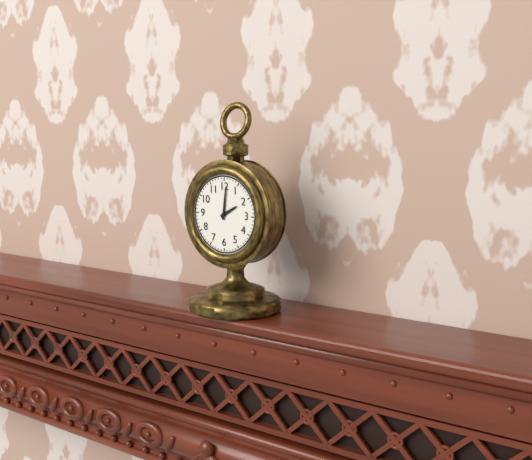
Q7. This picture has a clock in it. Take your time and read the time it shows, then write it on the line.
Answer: 2:01
